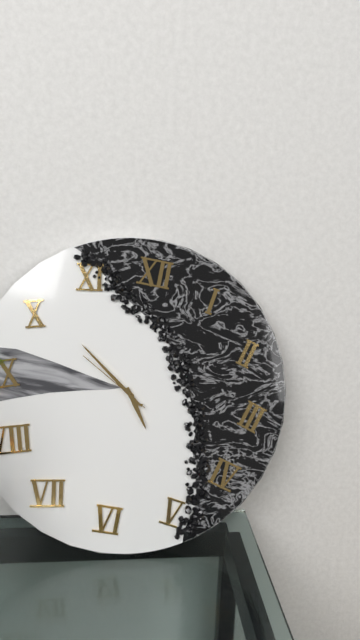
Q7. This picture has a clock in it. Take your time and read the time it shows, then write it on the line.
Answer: 4:51:50
